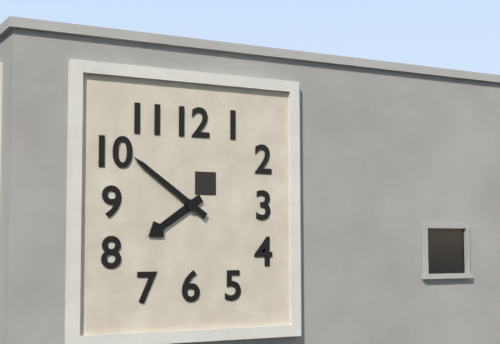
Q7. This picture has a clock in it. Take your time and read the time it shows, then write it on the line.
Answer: 7:51
